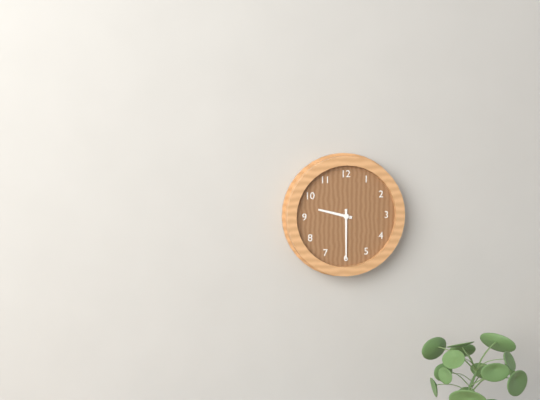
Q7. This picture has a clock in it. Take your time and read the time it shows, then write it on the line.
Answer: 9:30
